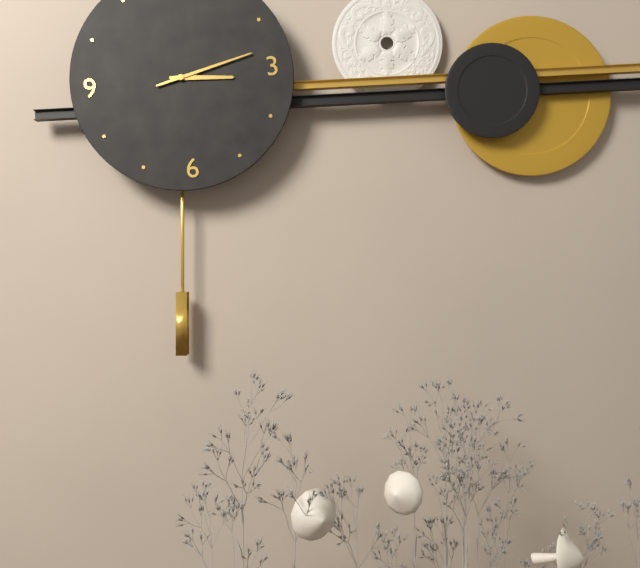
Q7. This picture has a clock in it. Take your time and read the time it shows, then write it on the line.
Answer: 3:13
